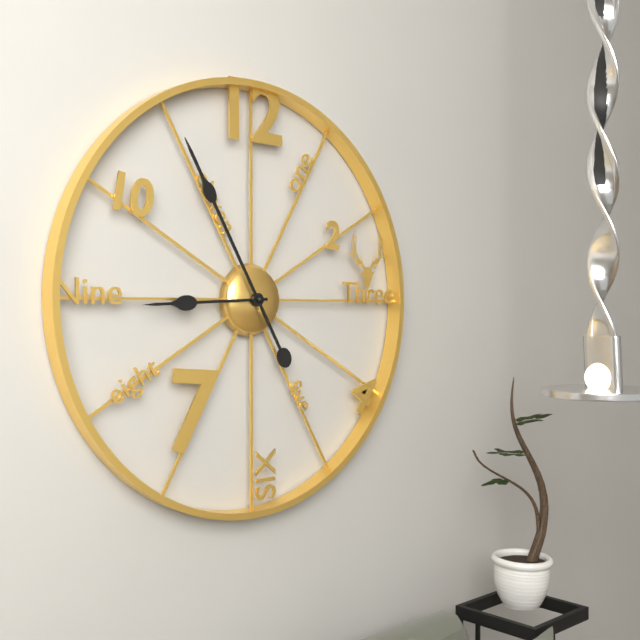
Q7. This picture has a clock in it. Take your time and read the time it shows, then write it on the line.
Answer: 8:55
